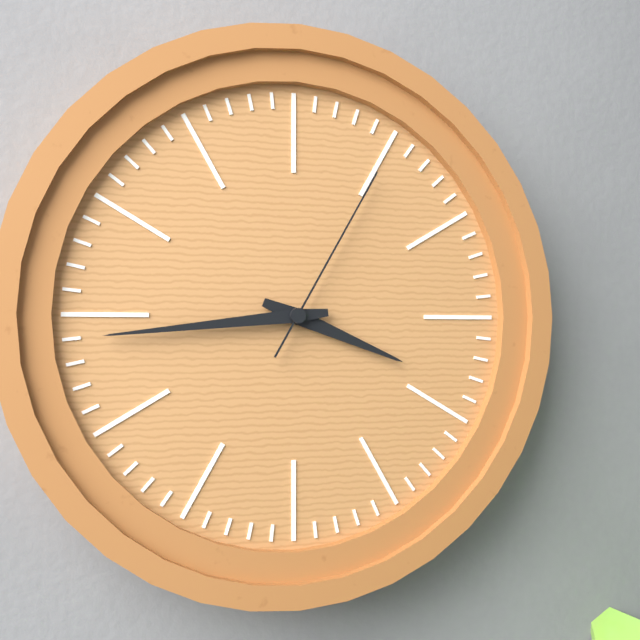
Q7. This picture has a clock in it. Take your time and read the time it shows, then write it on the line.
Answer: 3:44:05
